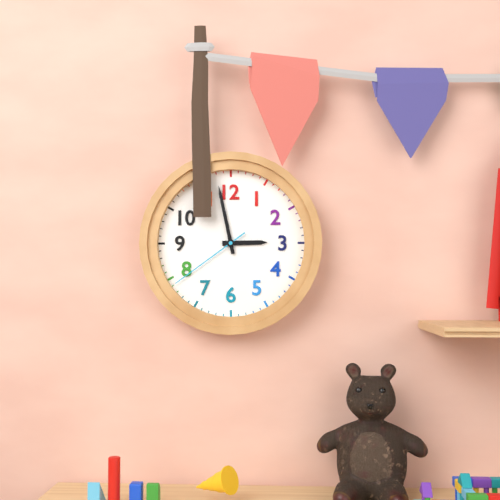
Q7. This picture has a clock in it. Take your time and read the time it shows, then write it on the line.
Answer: 2:58:39
